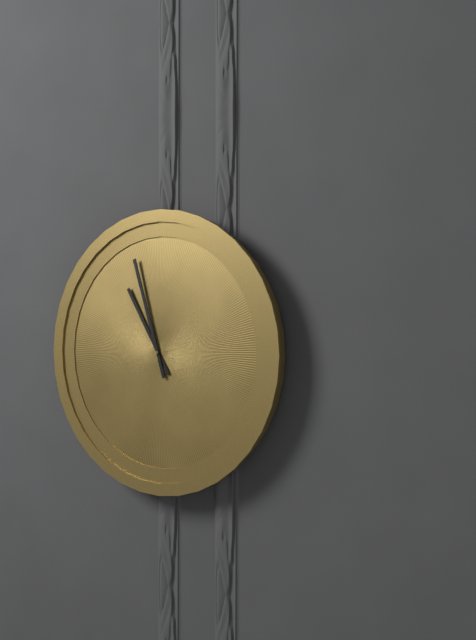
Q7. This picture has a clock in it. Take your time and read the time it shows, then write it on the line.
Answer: 10:57
